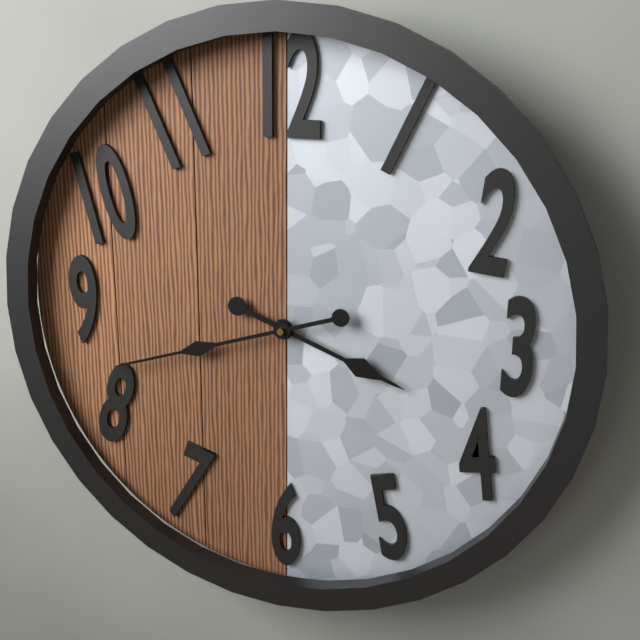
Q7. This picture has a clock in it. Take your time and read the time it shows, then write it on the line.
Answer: 3:42
